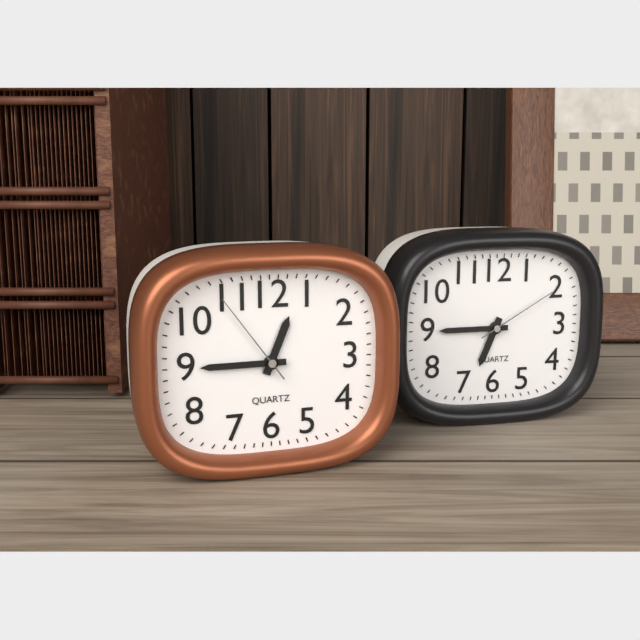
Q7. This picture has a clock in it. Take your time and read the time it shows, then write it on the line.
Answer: 12:45:54
